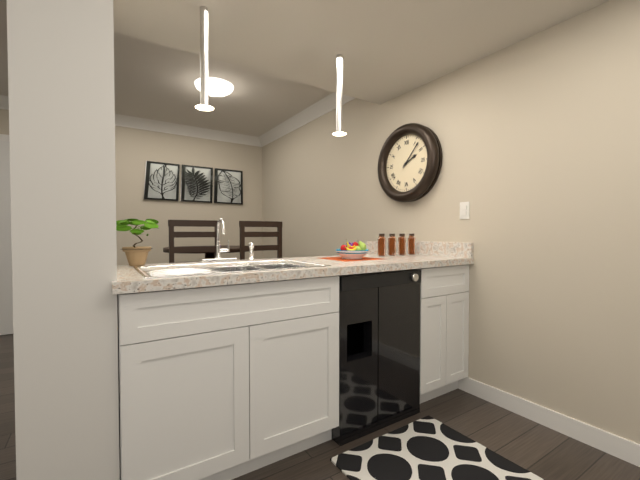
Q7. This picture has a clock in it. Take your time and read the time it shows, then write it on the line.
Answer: 2:07
